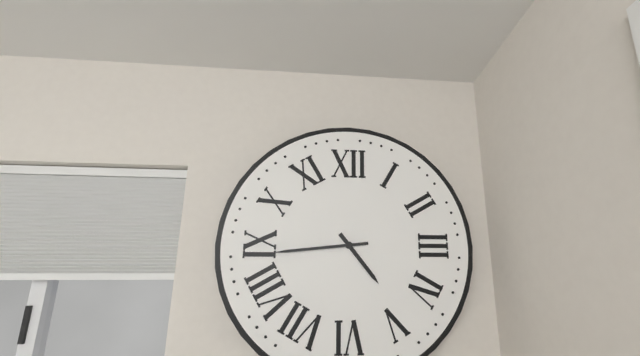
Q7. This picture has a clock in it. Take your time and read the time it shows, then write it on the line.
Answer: 4:44
